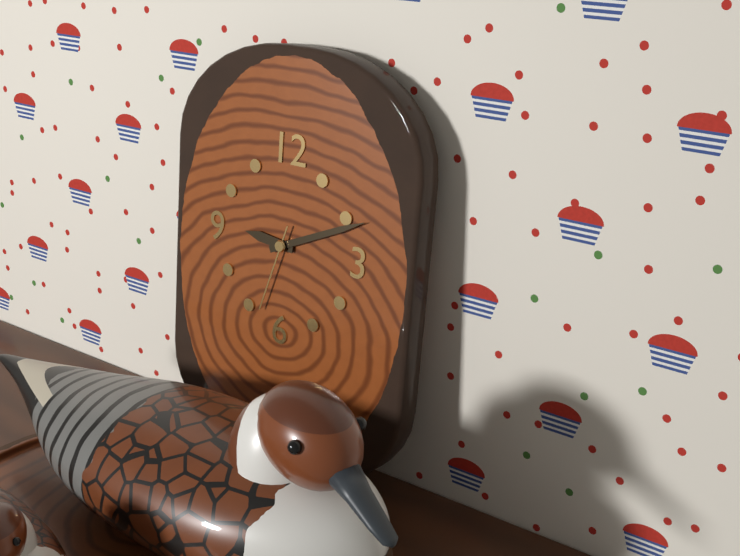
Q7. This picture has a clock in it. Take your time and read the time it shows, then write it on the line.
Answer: 9:11:33
